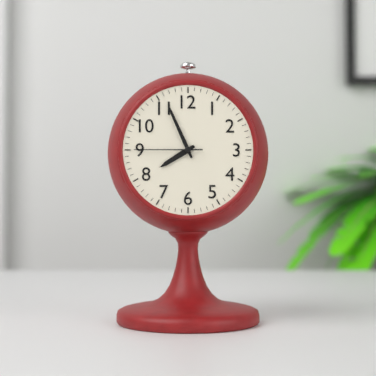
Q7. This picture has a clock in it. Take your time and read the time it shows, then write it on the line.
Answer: 7:56:45
